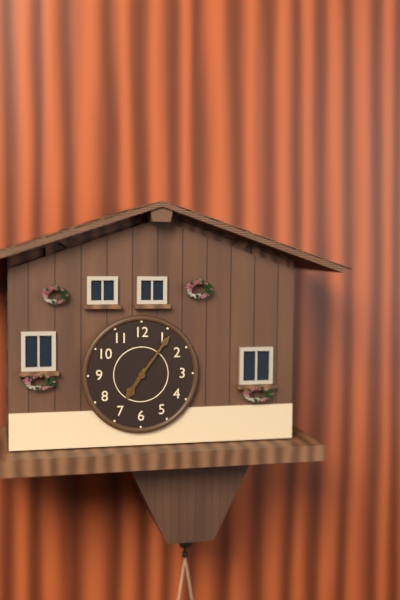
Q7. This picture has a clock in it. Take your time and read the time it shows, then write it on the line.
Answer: 7:06
